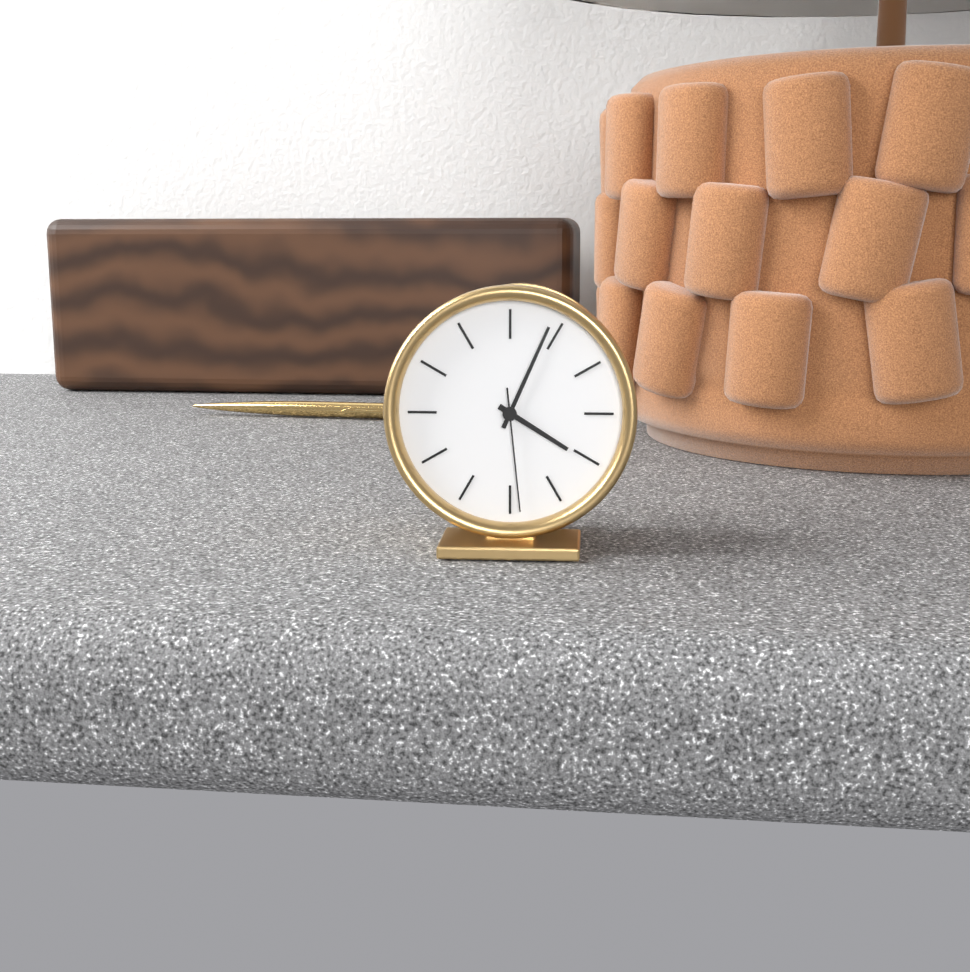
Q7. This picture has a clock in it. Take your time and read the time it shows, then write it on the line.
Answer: 4:04:29
